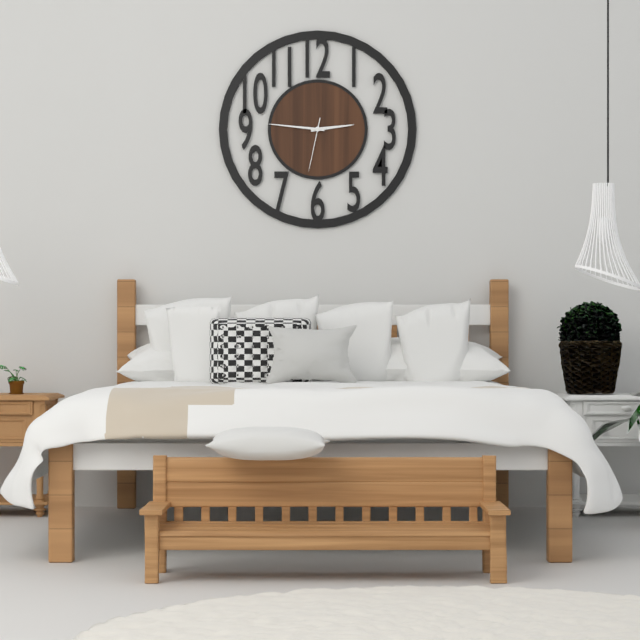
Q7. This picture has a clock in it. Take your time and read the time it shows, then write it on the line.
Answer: 2:46:32
